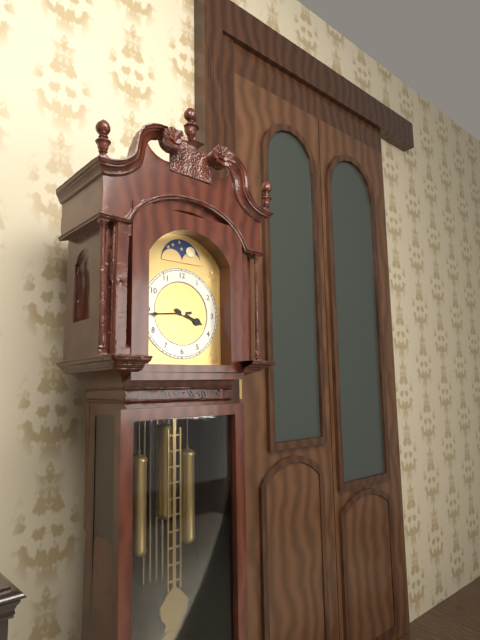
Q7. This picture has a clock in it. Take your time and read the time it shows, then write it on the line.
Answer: 3:44
